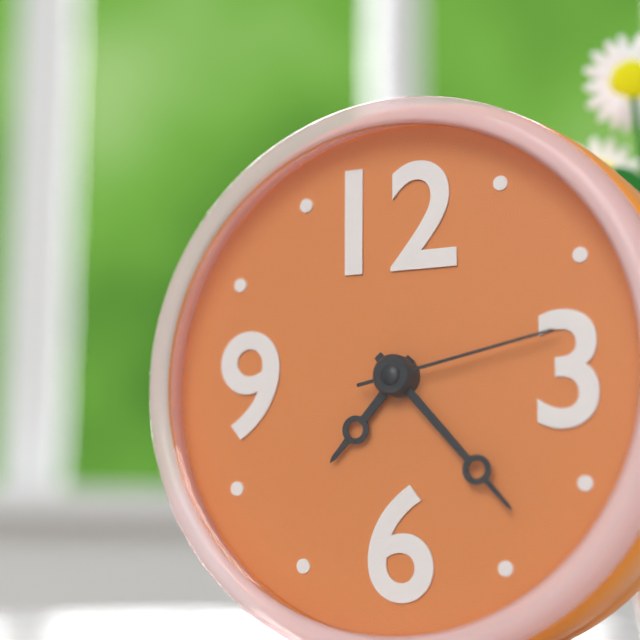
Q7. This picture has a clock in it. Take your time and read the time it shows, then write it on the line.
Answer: 7:23:13
